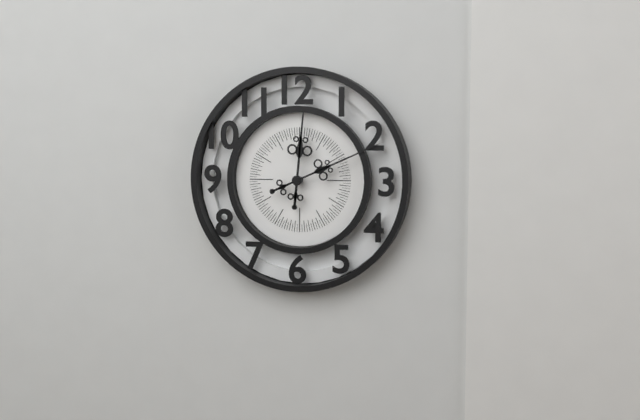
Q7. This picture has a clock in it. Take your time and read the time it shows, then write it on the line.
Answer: 12:11
